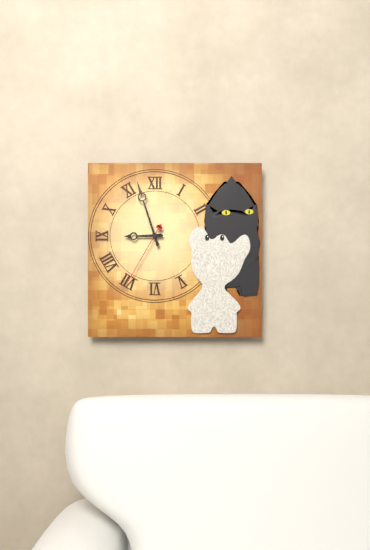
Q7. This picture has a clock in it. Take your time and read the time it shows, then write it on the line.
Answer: 8:57:35
